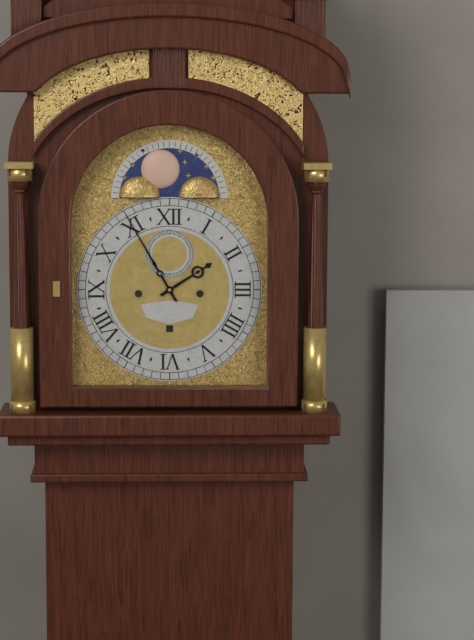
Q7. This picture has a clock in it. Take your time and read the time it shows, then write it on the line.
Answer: 1:55
